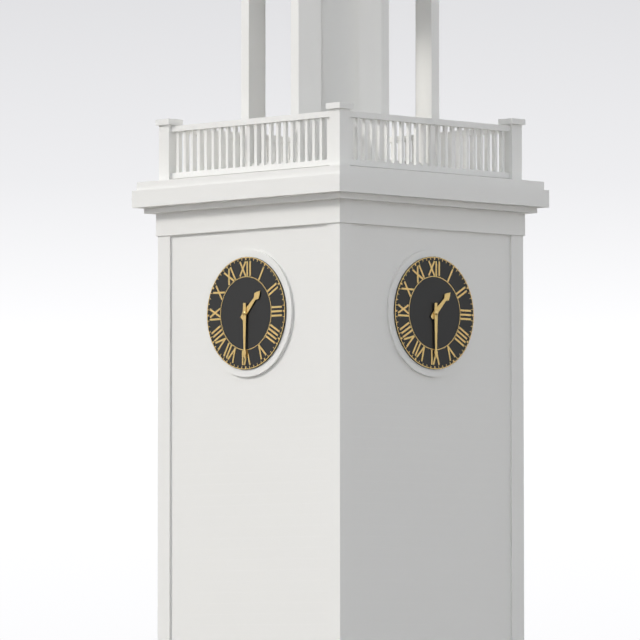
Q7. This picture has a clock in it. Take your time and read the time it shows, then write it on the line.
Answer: 1:30
